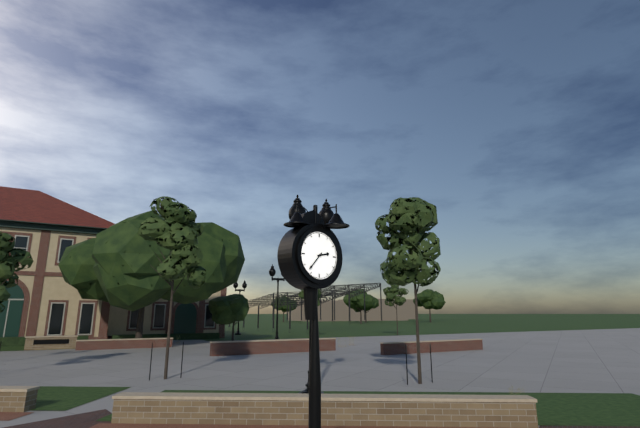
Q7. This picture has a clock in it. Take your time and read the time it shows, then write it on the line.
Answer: 2:37
